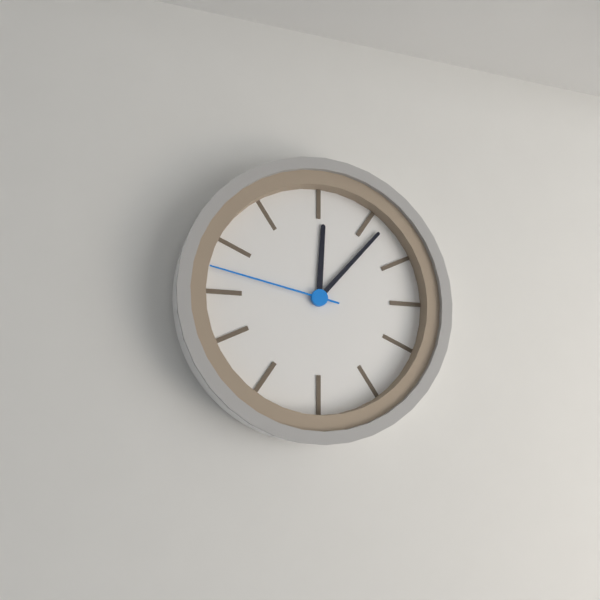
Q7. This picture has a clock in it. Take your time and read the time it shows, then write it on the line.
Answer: 12:07:47
